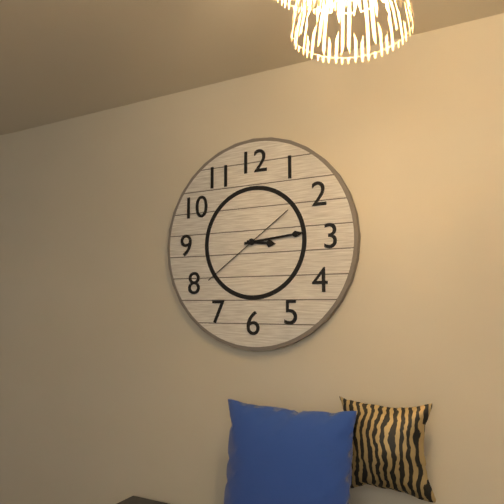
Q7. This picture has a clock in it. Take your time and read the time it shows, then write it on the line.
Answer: 3:14:39
